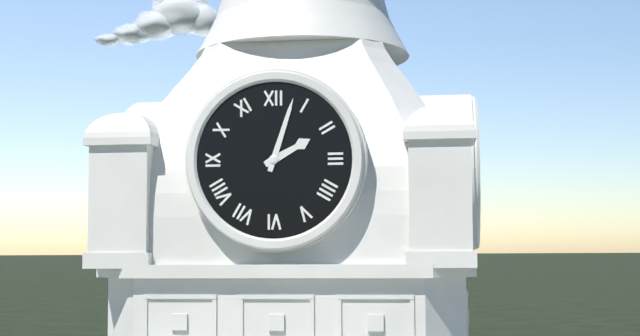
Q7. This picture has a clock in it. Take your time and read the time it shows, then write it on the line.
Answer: 2:03
